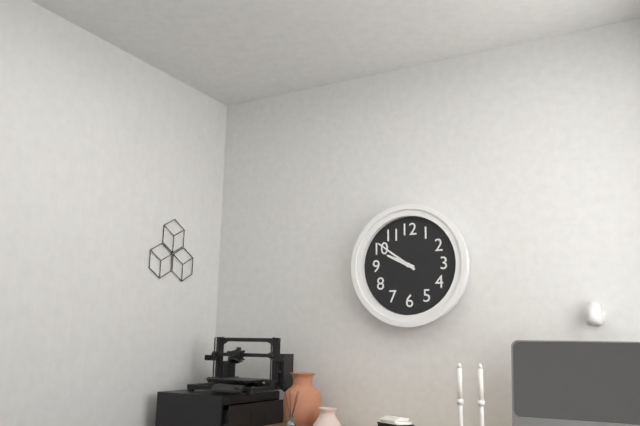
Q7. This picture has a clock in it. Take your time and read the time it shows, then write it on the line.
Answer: 9:51
